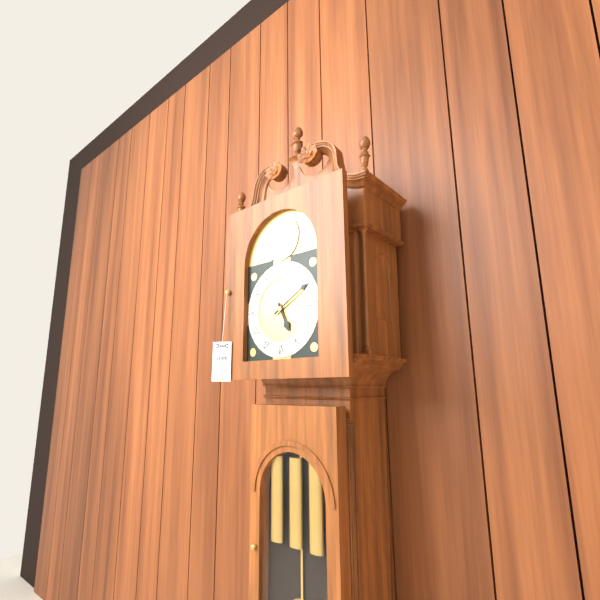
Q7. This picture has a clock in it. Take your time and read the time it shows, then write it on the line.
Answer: 5:10
